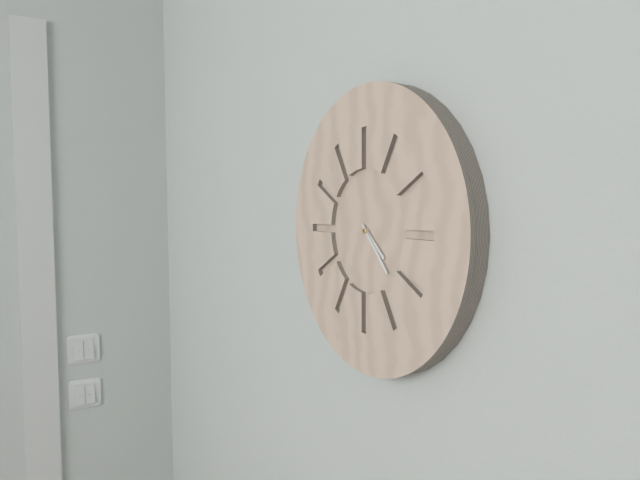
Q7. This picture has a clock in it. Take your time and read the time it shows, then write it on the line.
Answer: 4:23
